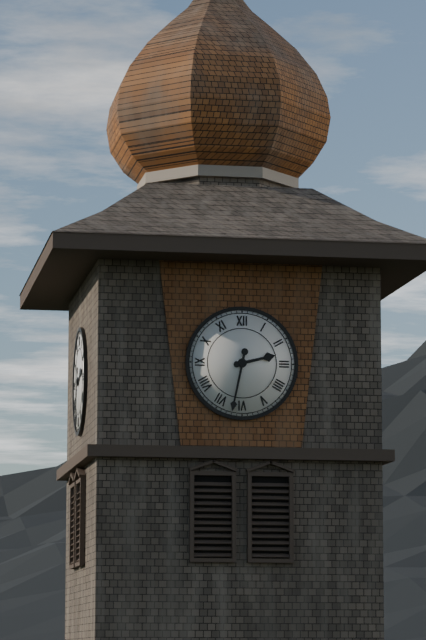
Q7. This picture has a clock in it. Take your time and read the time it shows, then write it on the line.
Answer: 2:32
